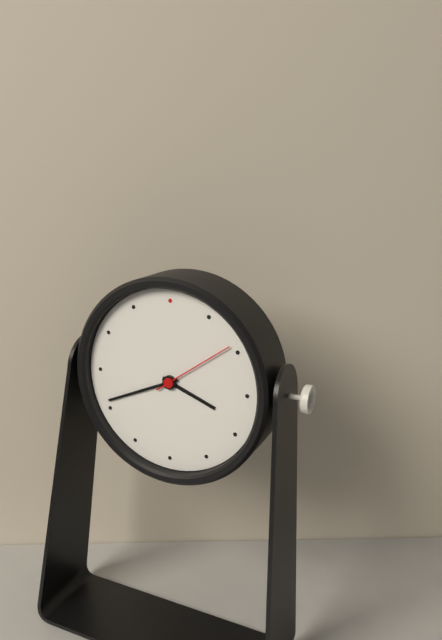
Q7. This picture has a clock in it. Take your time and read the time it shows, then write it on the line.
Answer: 3:41:09
